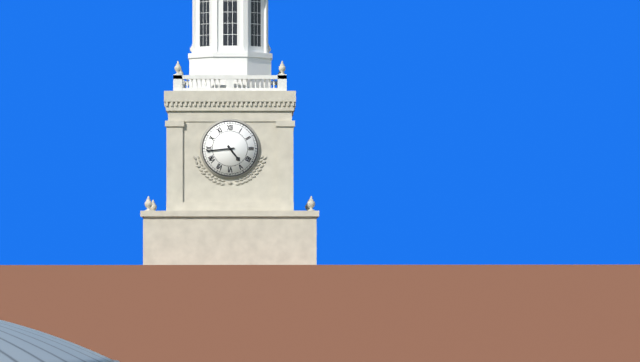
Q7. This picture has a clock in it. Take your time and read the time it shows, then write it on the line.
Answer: 4:44
